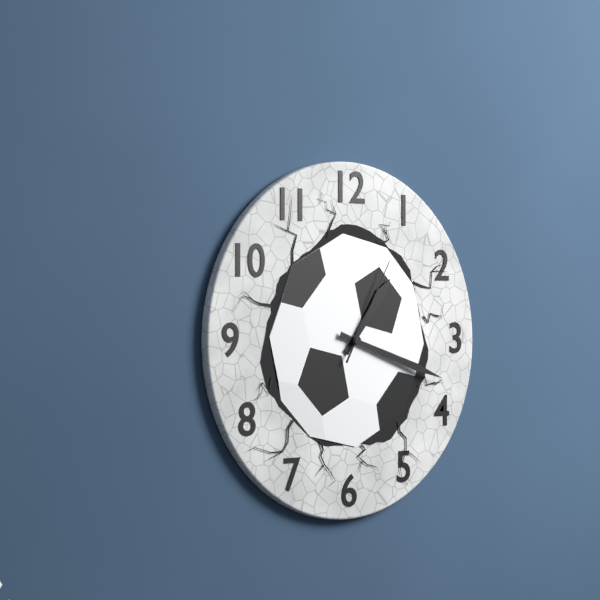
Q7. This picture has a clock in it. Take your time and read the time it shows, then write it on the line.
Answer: 1:18:05
